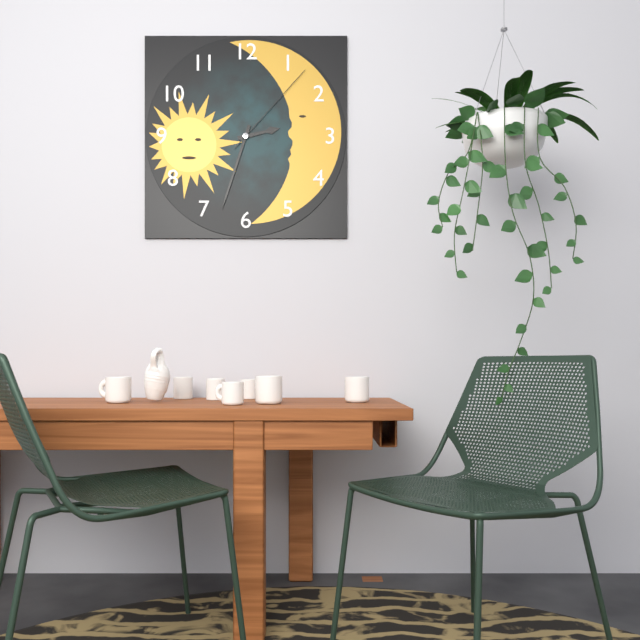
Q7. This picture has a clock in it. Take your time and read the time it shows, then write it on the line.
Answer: 2:33:07
